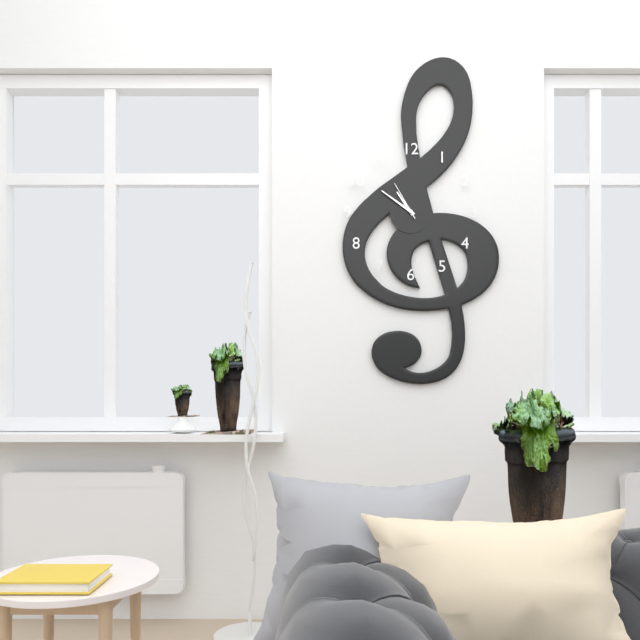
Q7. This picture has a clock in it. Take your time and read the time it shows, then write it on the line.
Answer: 10:51
